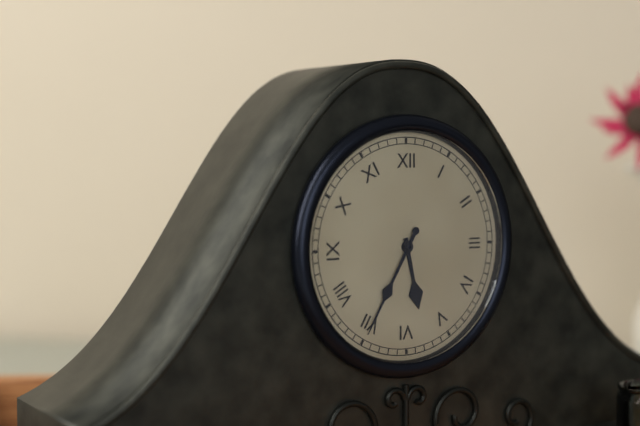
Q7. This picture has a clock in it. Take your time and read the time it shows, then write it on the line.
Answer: 5:35
